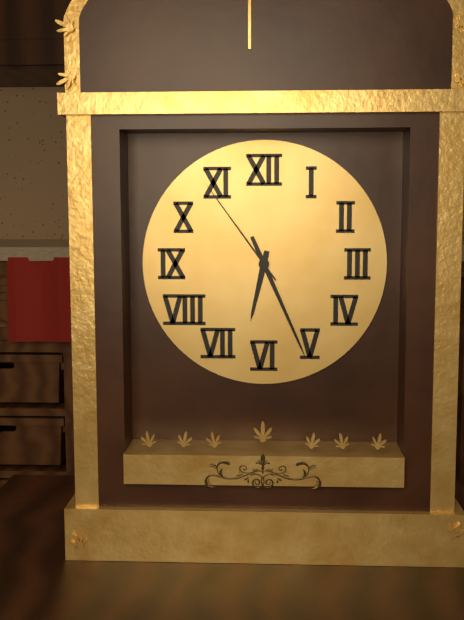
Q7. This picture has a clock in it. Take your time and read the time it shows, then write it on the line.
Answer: 6:26:54
